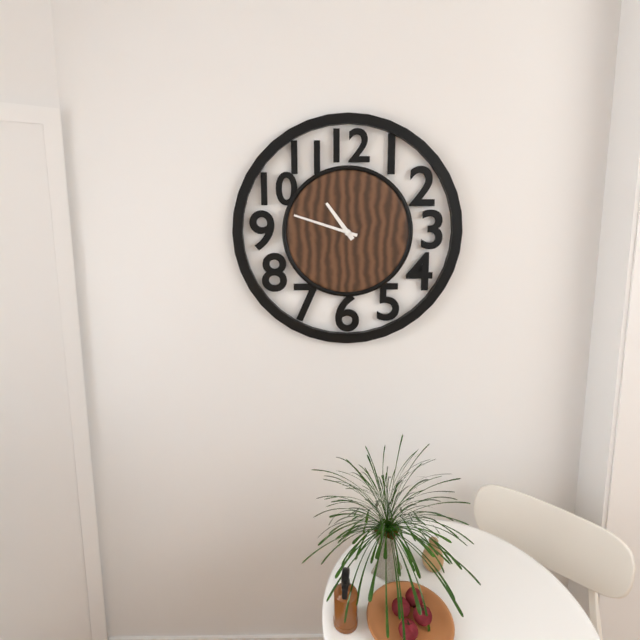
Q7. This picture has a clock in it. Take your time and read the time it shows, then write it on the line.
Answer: 10:48
